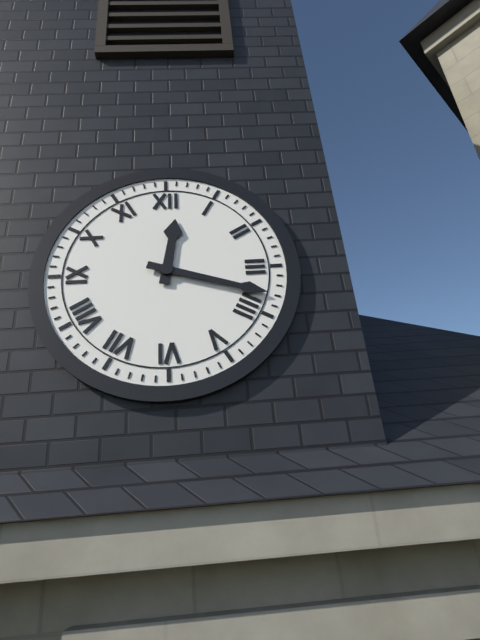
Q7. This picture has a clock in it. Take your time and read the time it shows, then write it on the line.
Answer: 12:18
